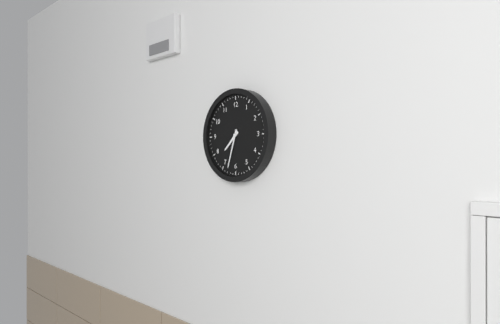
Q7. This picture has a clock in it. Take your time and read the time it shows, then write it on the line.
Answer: 7:33
